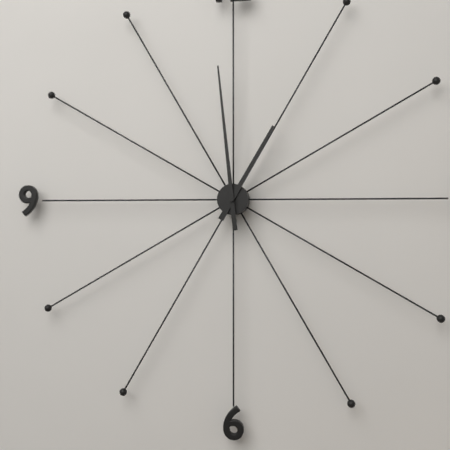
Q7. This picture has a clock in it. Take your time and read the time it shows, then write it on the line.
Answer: 12:59
